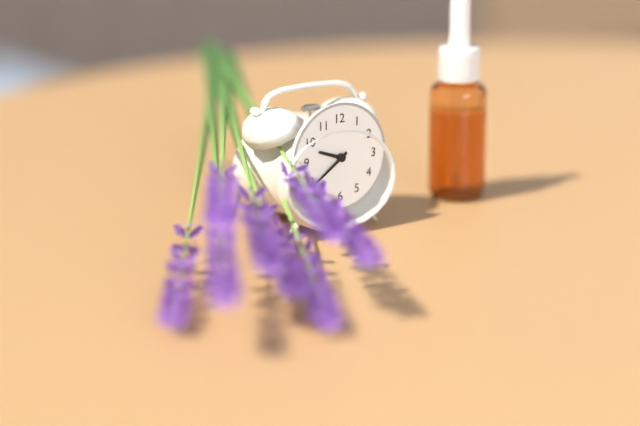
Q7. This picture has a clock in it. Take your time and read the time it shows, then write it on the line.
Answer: 9:39
